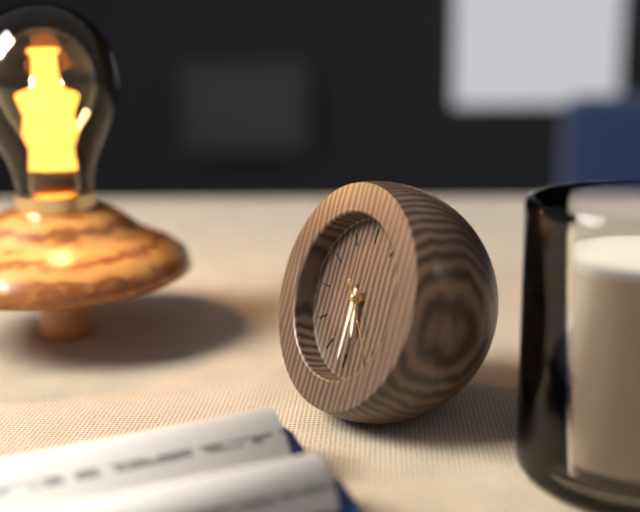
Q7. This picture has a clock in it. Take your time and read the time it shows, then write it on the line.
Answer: 5:30:23
